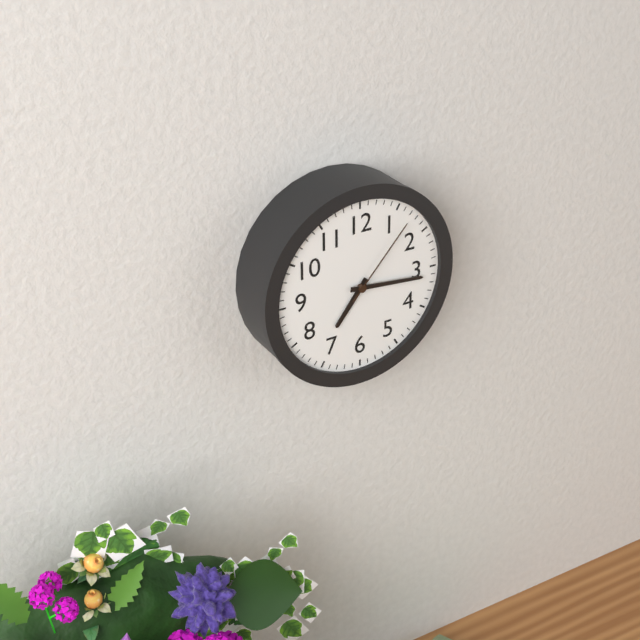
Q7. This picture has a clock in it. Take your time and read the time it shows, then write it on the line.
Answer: 7:16:07
